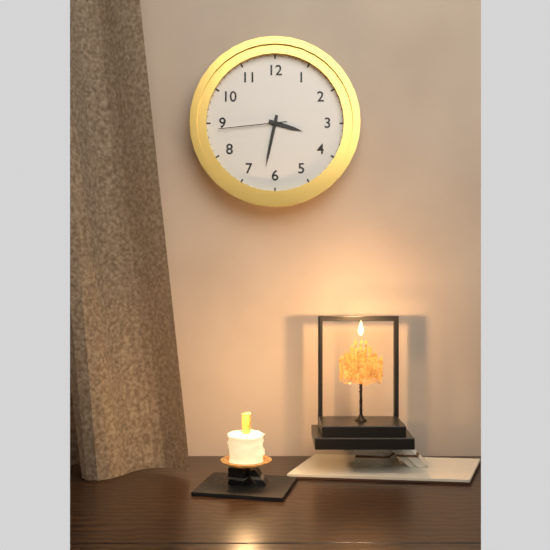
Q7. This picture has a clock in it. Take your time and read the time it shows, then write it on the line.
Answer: 3:32:44
